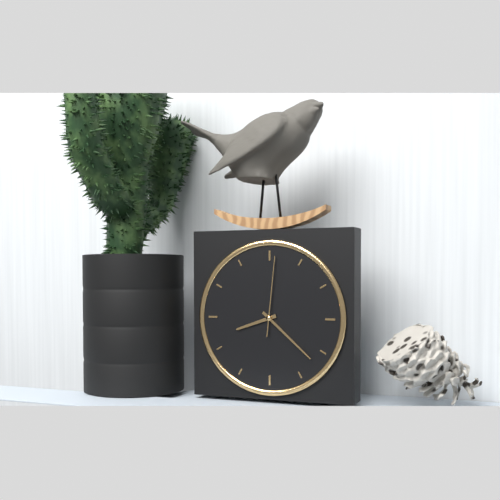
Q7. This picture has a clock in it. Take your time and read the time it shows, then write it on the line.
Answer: 8:22:01
